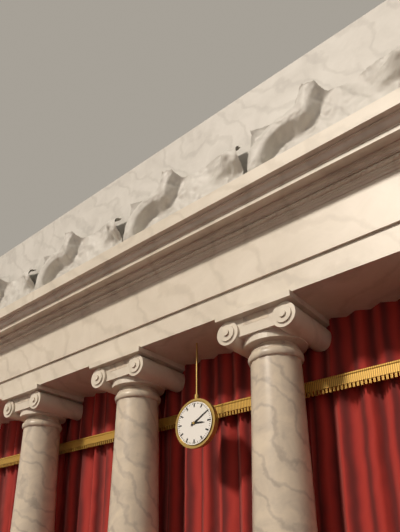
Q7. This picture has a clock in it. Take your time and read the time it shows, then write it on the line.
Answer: 3:10
